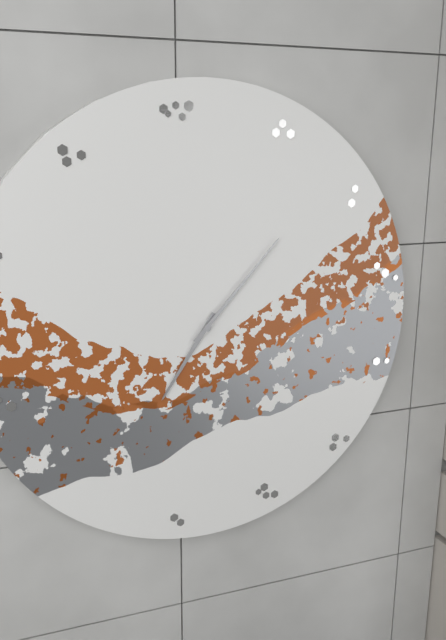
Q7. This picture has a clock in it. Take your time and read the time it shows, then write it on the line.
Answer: 7:07
